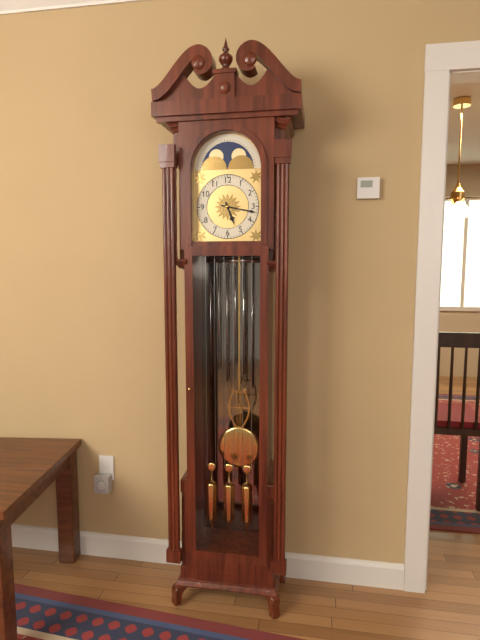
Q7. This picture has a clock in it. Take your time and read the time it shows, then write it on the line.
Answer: 5:17
